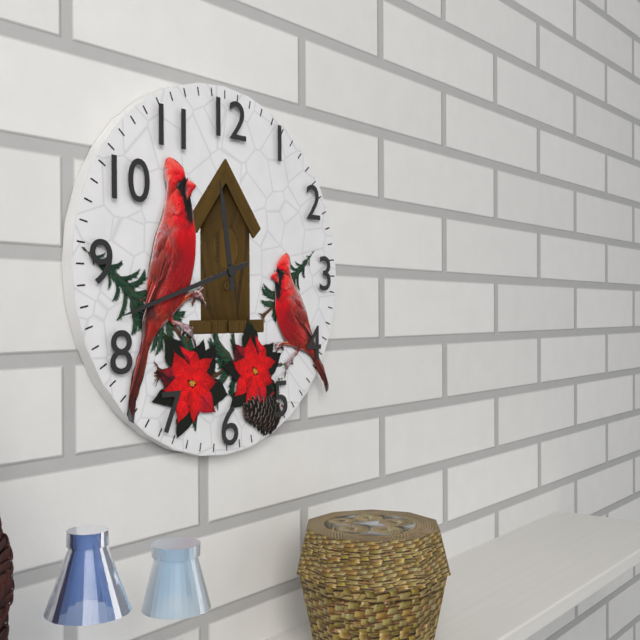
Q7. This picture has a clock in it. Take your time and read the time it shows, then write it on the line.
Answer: 11:42
